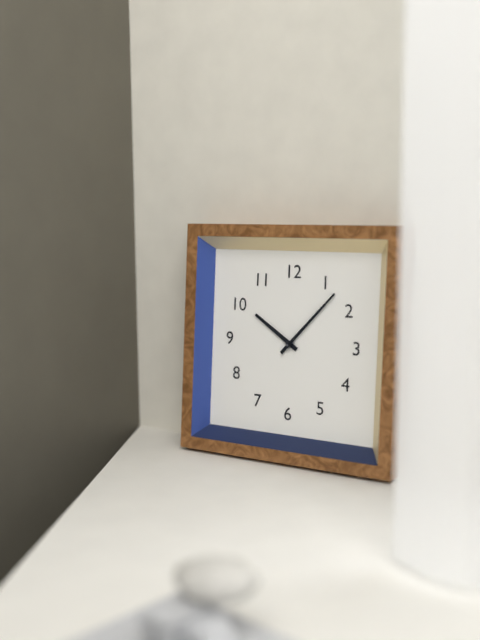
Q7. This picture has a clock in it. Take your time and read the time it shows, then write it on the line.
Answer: 10:07
